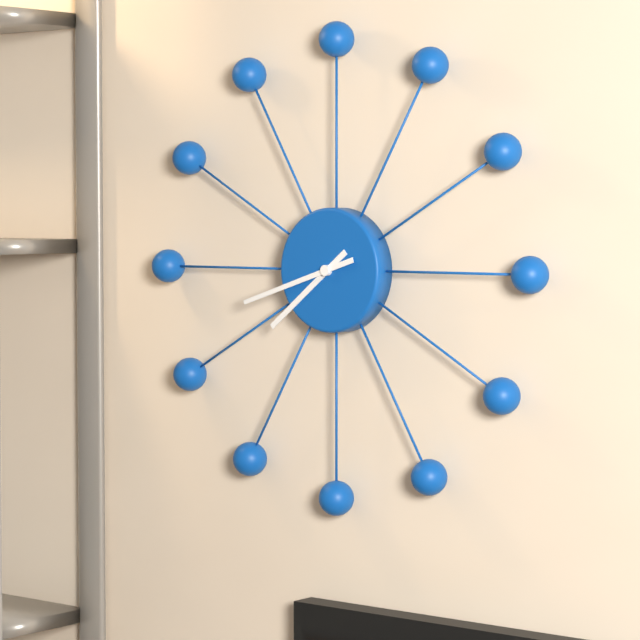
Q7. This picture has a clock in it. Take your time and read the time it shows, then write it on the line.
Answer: 7:42
